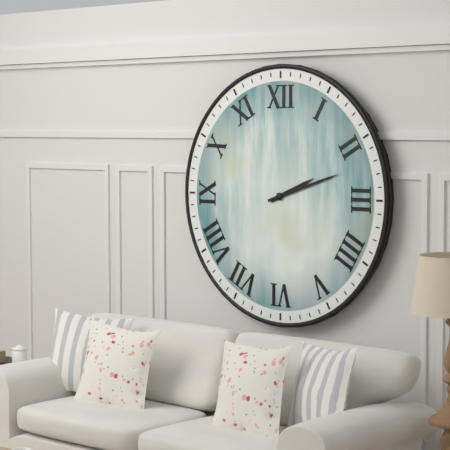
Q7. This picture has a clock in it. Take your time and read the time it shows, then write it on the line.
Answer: 2:12
